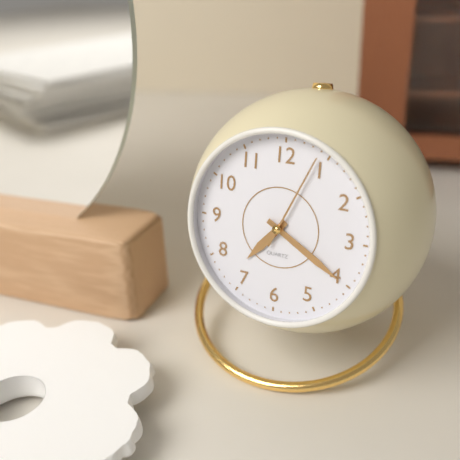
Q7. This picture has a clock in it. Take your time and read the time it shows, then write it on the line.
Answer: 7:20:04
